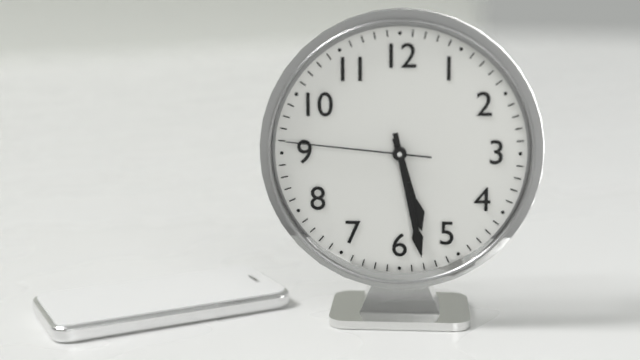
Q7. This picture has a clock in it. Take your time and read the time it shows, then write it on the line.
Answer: 5:28:46
